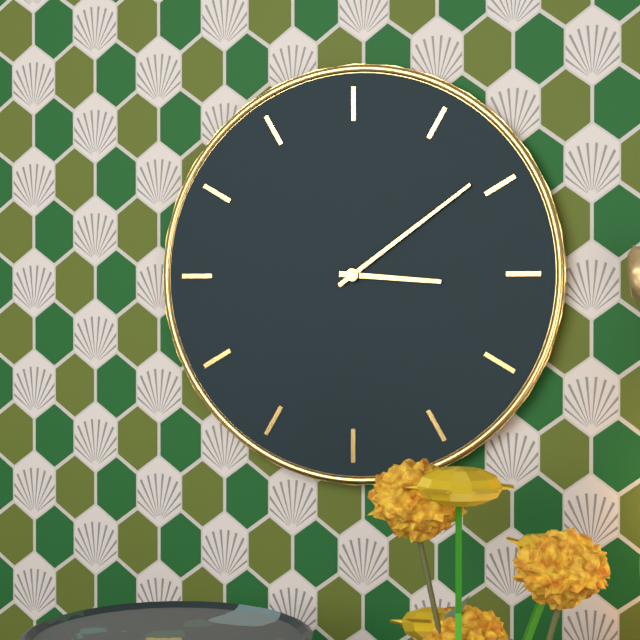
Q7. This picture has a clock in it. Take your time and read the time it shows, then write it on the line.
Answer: 3:09
